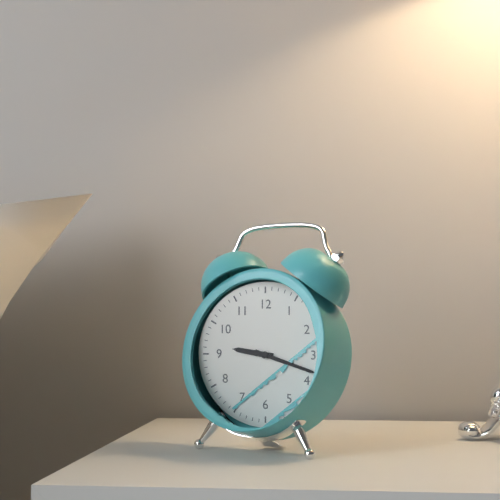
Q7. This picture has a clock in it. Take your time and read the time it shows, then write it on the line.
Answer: 9:18
